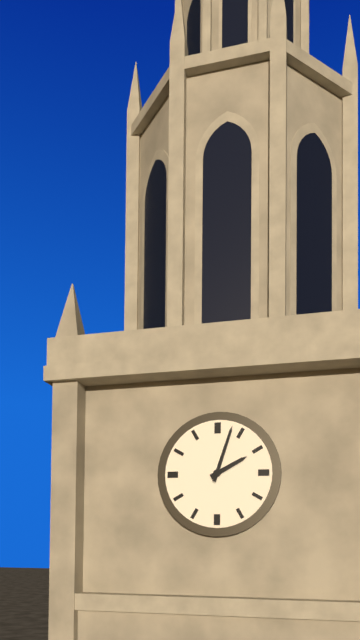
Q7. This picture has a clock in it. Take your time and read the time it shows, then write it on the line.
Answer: 2:03
